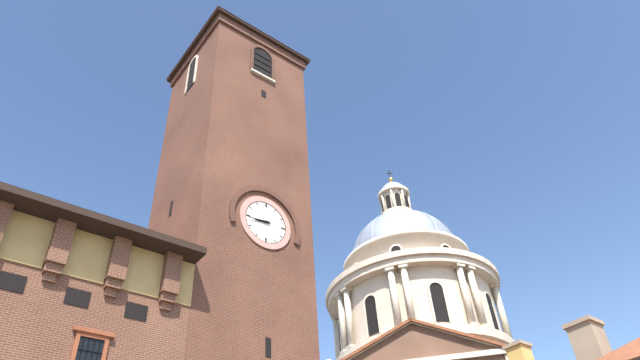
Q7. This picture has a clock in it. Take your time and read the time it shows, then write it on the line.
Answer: 8:44
